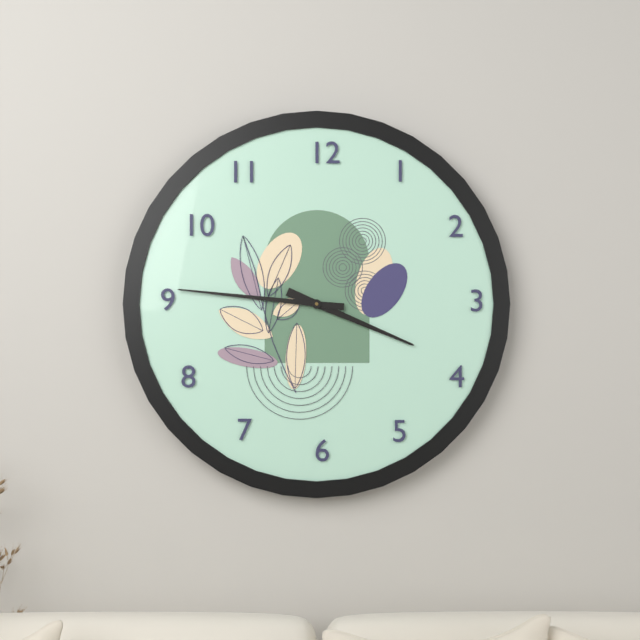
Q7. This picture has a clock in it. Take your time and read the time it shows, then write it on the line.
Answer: 3:46
